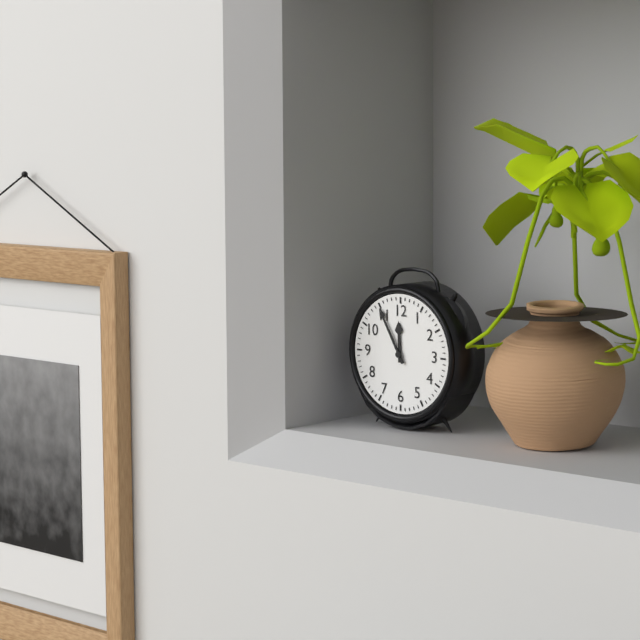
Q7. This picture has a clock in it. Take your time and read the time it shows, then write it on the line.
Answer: 11:55
